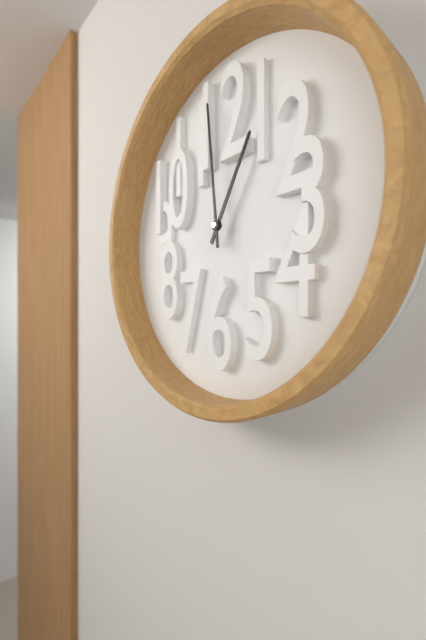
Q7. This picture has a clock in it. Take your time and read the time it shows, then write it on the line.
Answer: 12:59
